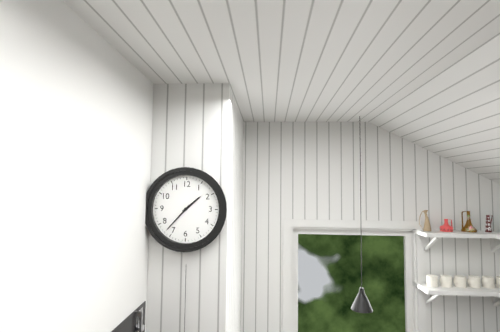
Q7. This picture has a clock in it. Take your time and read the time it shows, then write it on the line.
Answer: 1:37
